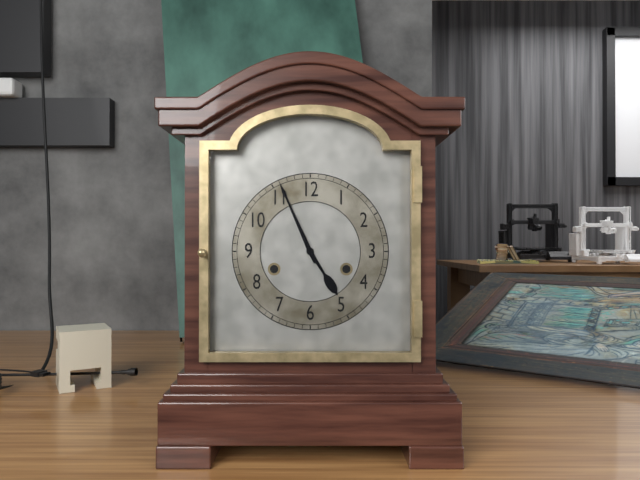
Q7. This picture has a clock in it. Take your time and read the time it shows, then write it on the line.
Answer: 4:56
